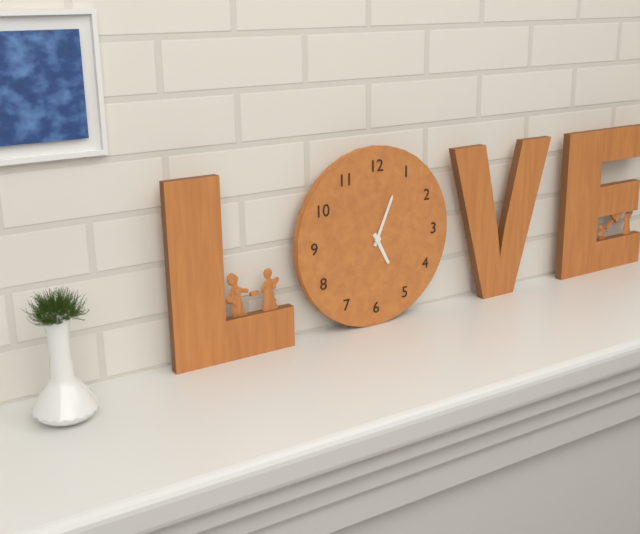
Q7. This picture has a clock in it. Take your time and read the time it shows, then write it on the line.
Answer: 5:04
